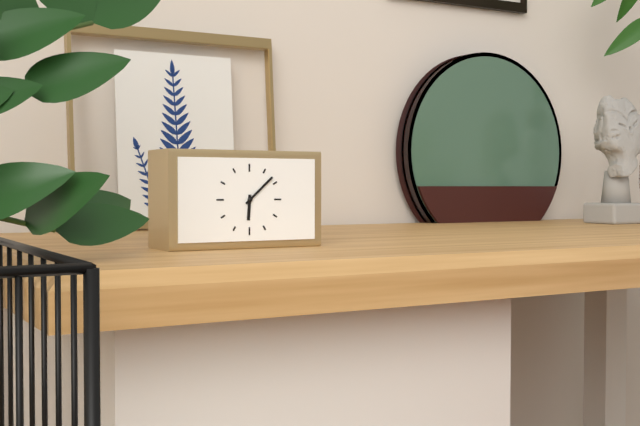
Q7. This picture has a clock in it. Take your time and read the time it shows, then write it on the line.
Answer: 6:08
